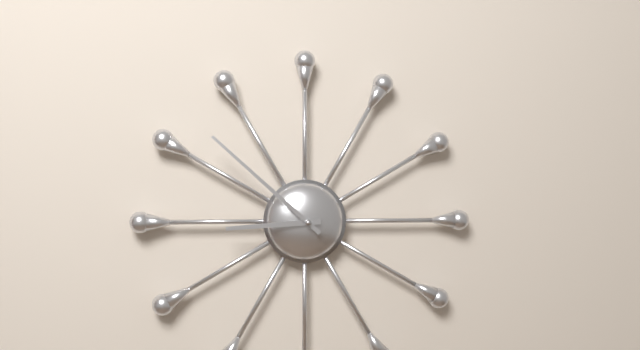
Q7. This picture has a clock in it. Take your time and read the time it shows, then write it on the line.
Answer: 8:52
